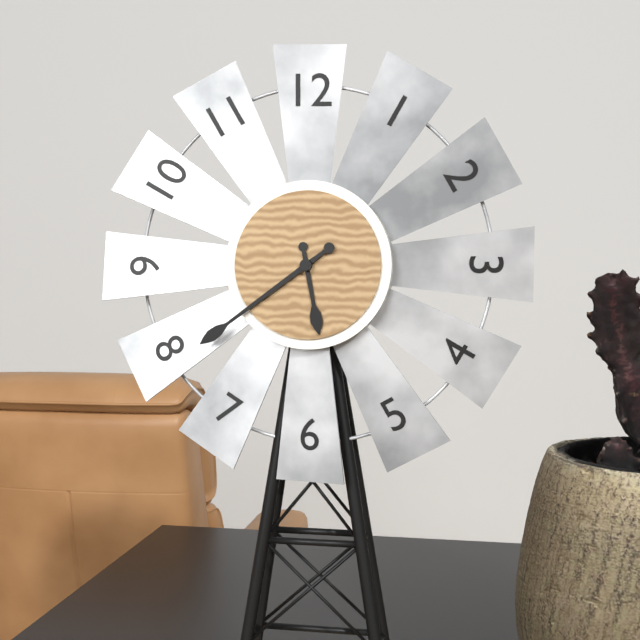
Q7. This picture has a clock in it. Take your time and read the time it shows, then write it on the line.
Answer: 5:39
